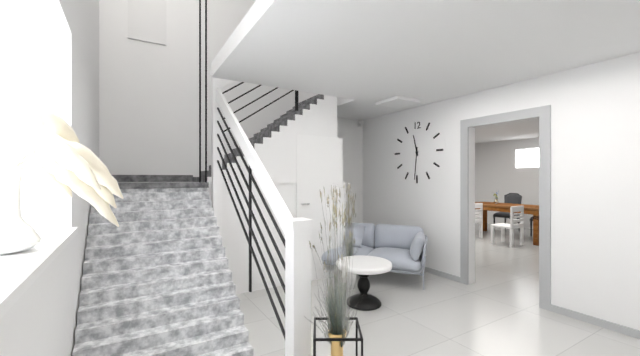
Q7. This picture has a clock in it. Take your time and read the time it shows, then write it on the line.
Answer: 11:31
